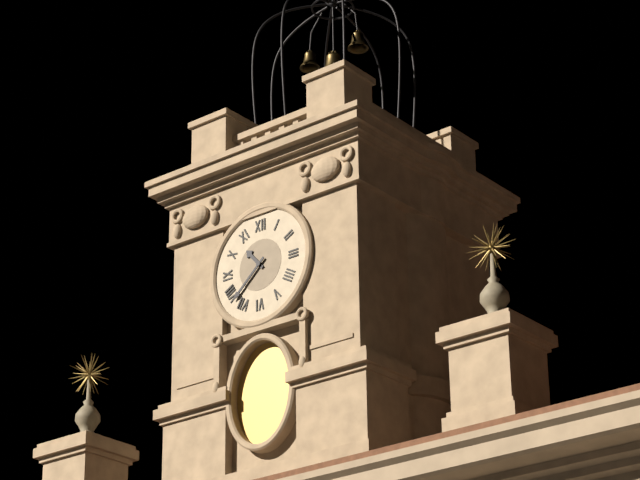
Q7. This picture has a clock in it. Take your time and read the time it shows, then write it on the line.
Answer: 10:38
